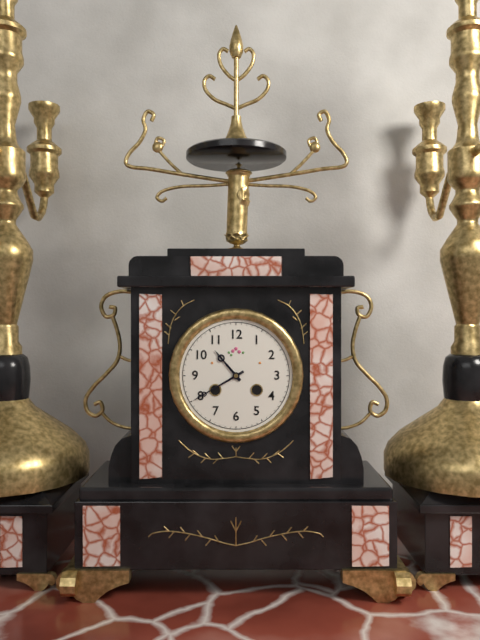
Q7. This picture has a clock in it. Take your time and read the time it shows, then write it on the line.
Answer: 10:40
